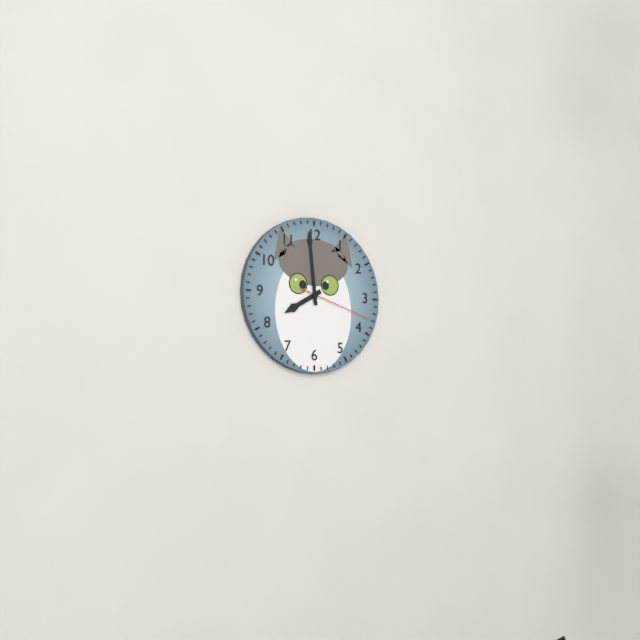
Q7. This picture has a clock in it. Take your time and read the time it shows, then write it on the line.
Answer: 7:59:18
